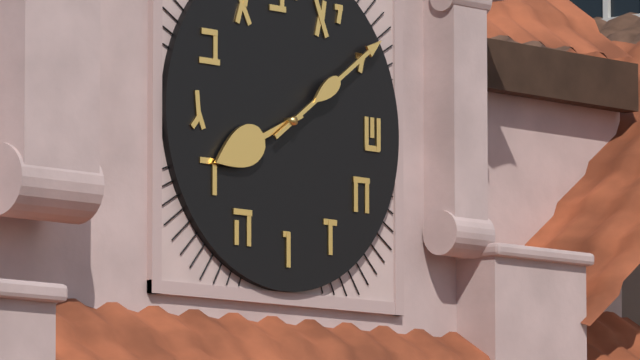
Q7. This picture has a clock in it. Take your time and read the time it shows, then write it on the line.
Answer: 8:09
